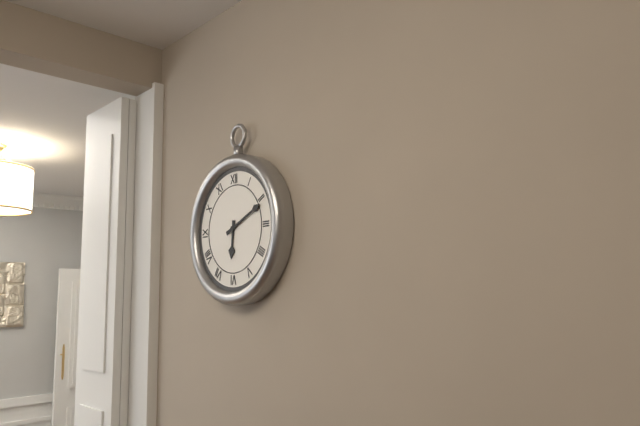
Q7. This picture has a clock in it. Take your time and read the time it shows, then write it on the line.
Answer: 6:11
